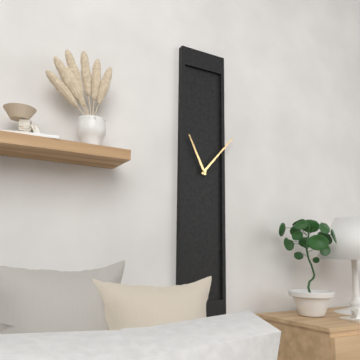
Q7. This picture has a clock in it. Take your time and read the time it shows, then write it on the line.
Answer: 11:07
